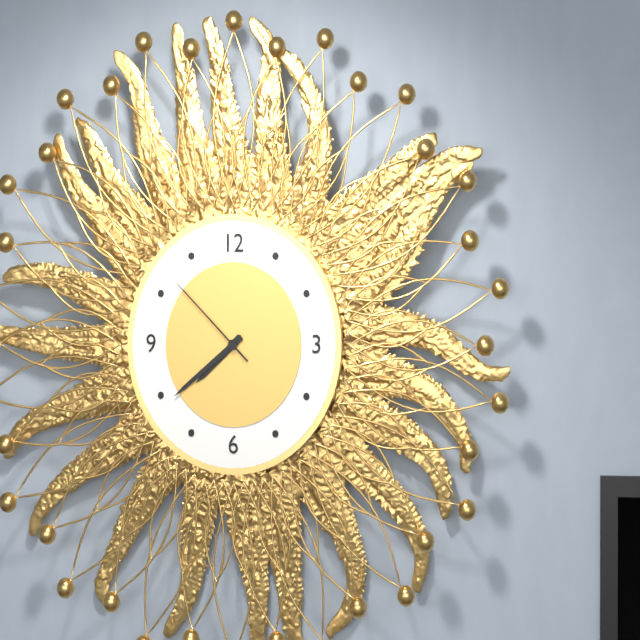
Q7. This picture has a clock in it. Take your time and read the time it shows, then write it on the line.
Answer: 7:39:52
